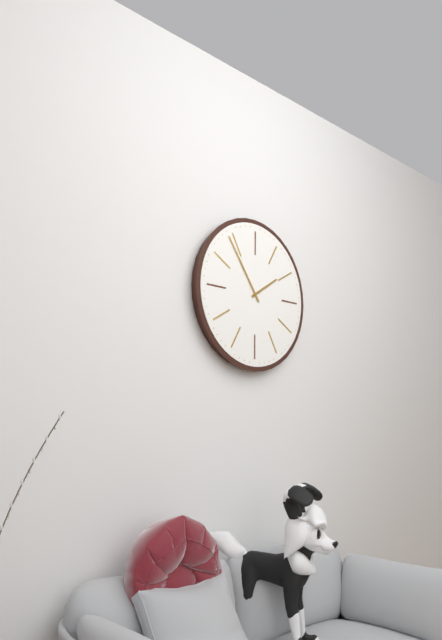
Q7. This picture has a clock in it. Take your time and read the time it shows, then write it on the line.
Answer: 1:54
